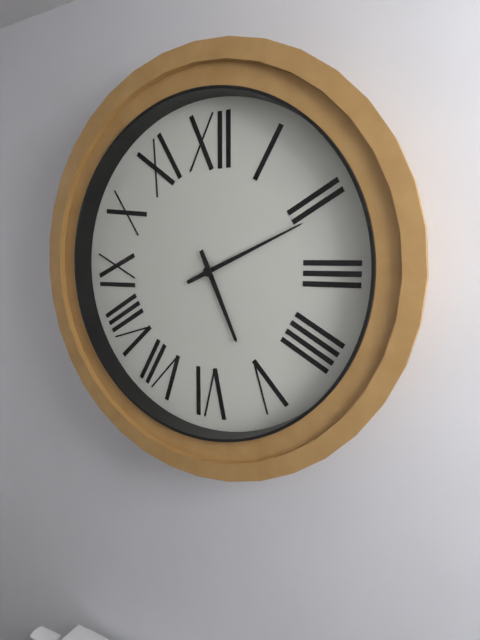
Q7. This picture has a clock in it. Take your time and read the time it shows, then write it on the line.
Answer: 5:11
